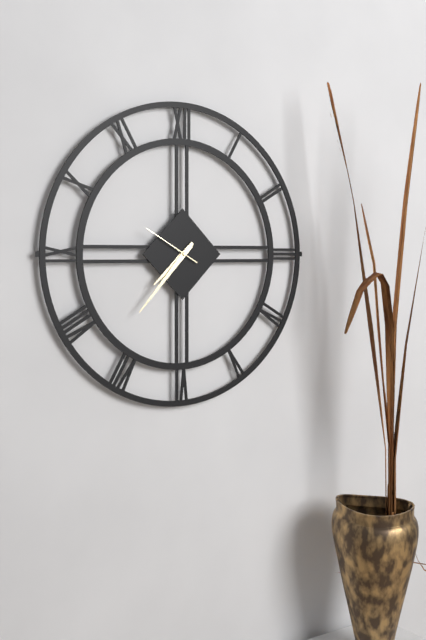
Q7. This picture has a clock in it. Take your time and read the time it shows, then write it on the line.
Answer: 7:37:50
